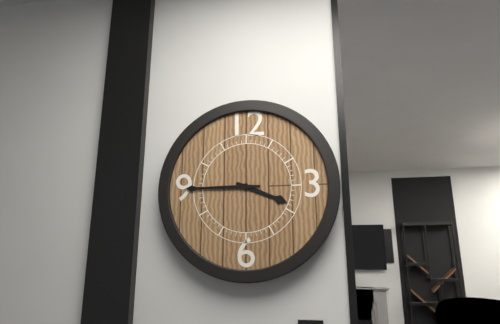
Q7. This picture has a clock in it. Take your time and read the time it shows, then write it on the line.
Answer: 3:45
